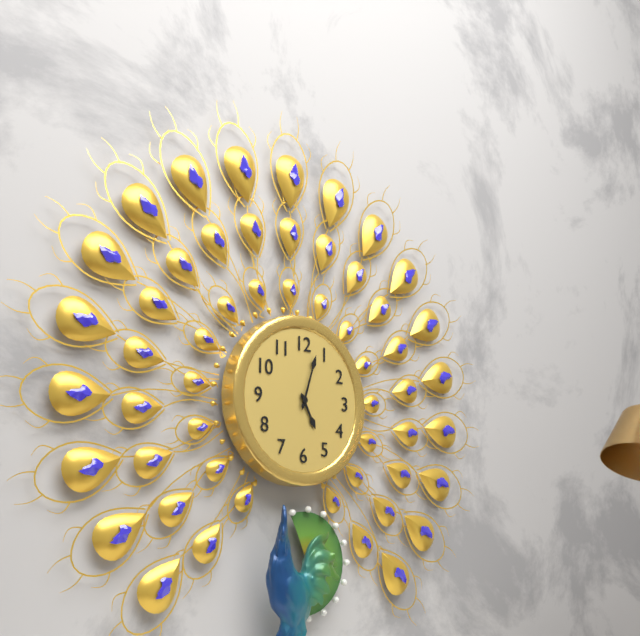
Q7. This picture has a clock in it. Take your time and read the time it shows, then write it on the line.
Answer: 5:03
